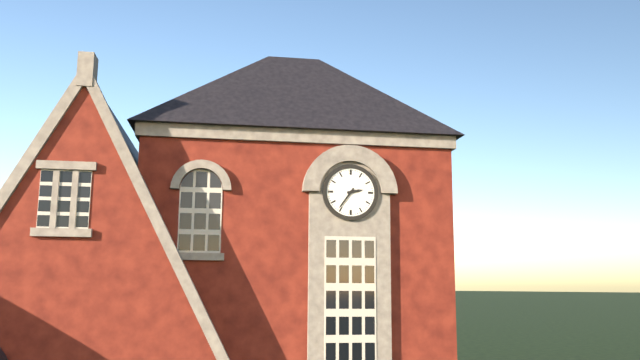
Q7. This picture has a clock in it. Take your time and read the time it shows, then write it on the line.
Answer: 2:36
